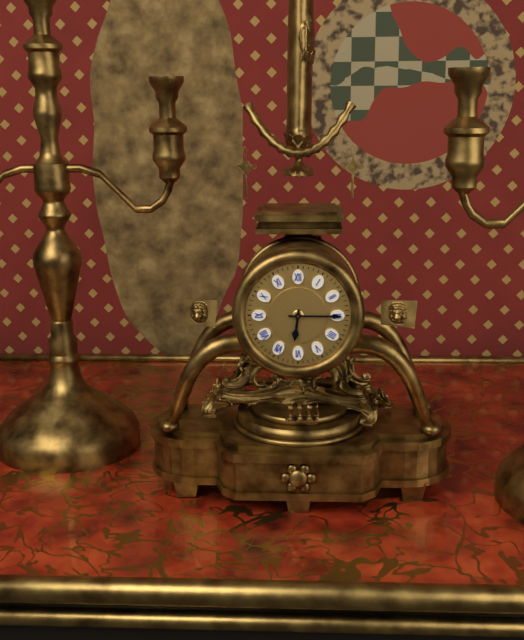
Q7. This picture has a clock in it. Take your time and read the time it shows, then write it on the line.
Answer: 6:15
